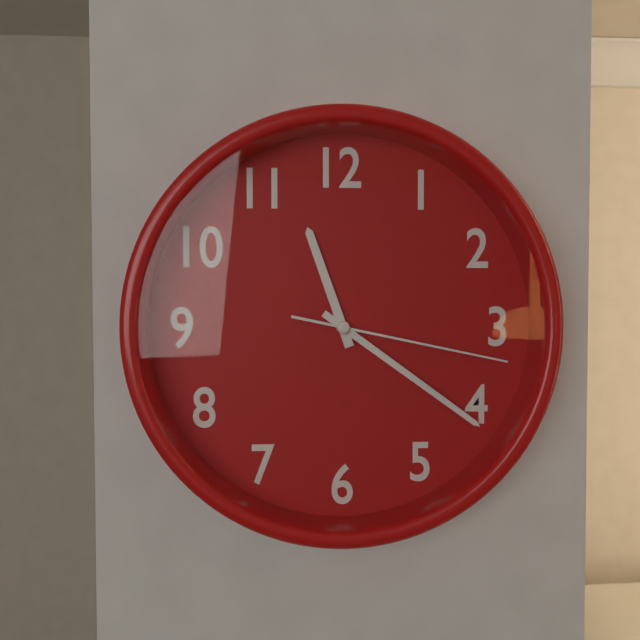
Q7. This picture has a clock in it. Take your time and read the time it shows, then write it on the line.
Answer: 11:21:17
